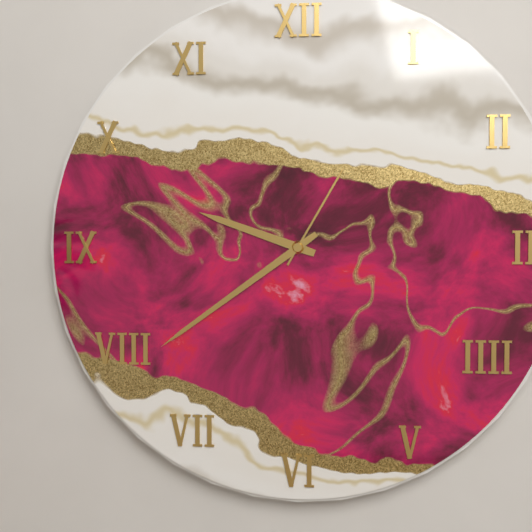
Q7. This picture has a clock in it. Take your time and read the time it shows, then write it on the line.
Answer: 9:39:05
